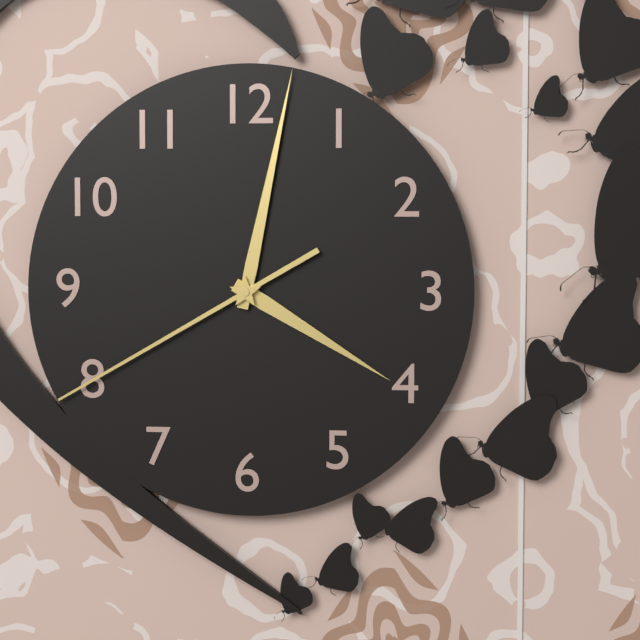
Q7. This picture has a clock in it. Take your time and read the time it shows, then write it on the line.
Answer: 4:02:40
